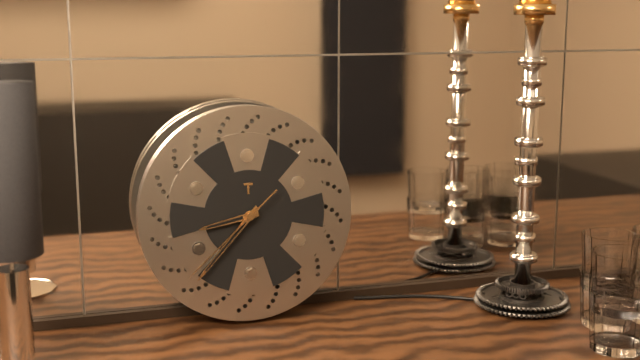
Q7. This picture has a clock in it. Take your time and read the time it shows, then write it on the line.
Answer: 8:37:38
